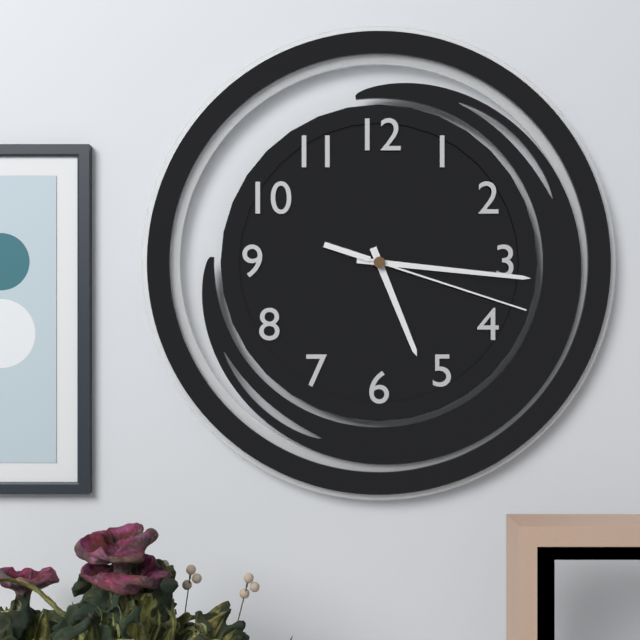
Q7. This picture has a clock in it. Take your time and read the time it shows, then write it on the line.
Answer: 5:16:18
